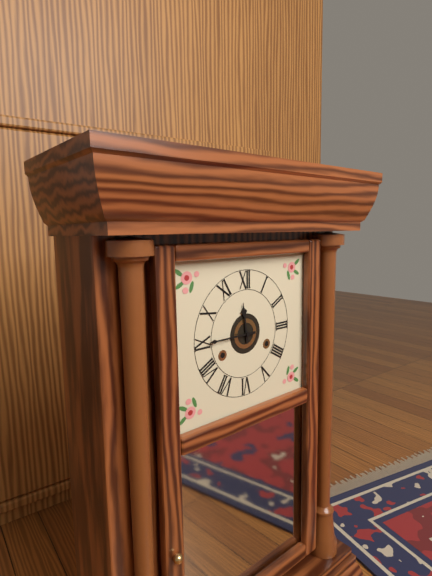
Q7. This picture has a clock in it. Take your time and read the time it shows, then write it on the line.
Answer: 11:45
